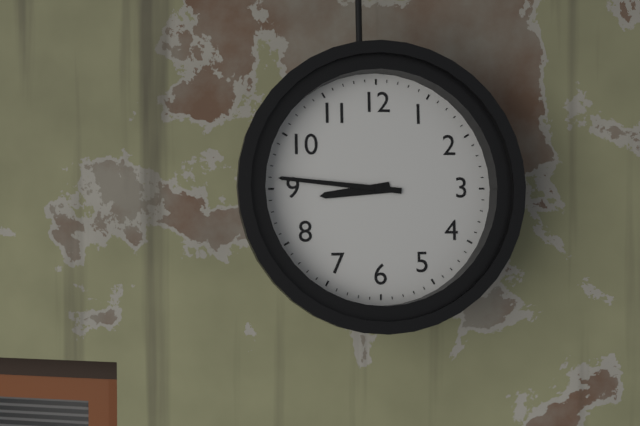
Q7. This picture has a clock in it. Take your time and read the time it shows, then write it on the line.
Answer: 8:46
